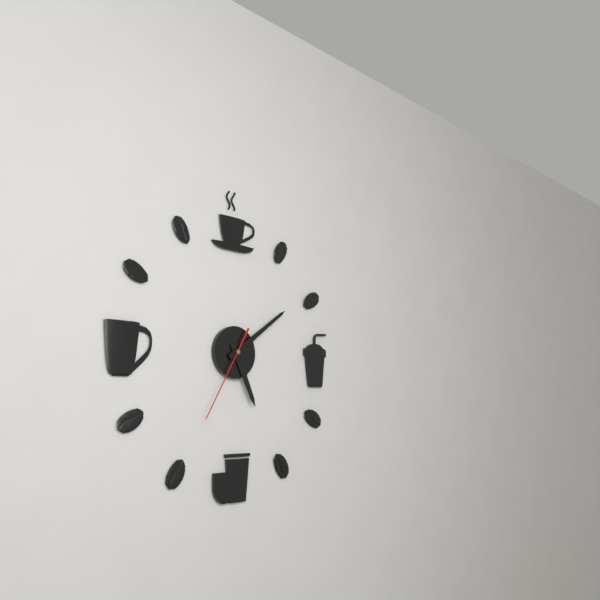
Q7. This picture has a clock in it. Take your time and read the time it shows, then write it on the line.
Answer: 5:09:35
